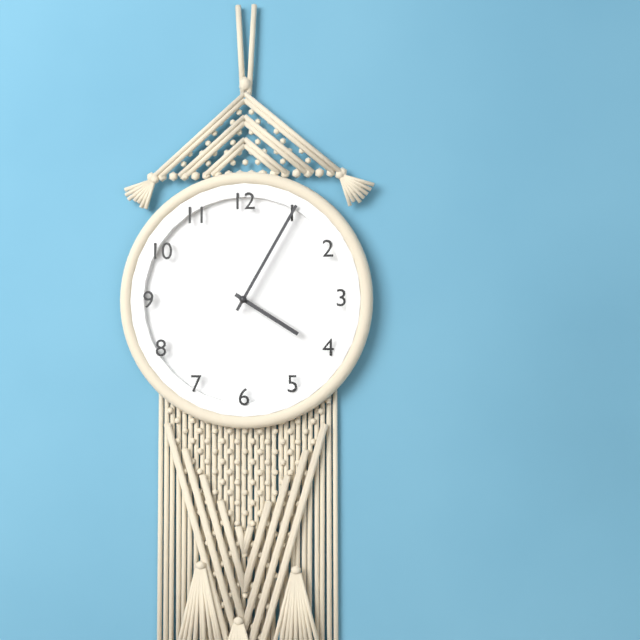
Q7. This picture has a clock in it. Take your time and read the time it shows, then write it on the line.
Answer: 4:05
